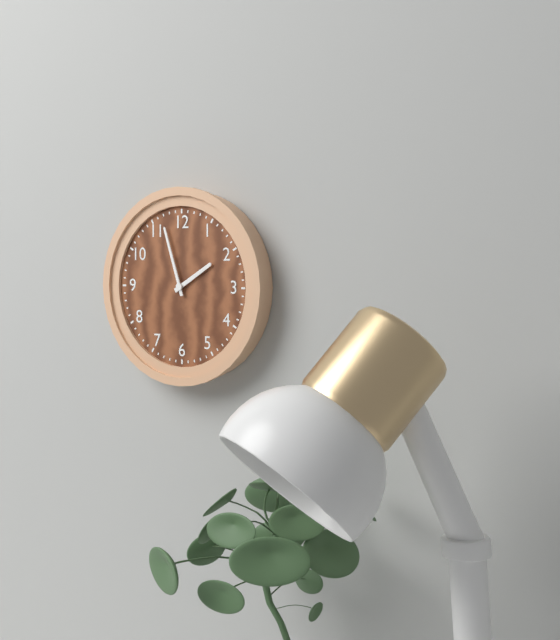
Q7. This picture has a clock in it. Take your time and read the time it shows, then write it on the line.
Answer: 1:57
